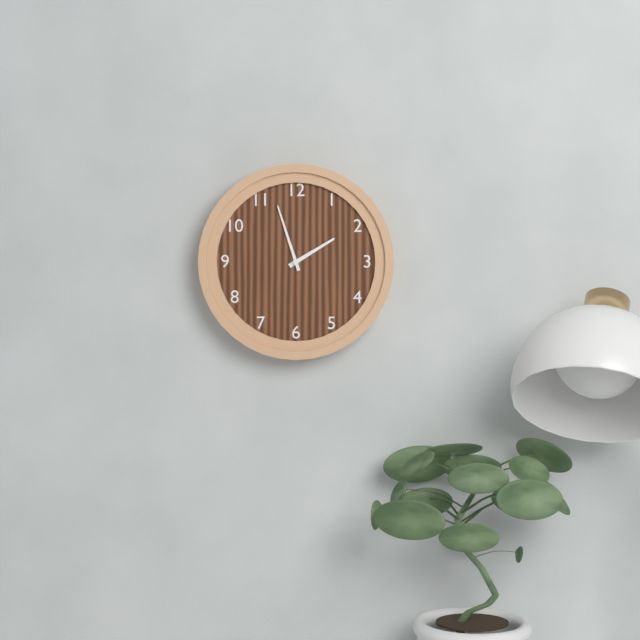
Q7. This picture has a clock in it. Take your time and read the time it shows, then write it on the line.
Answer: 1:57
